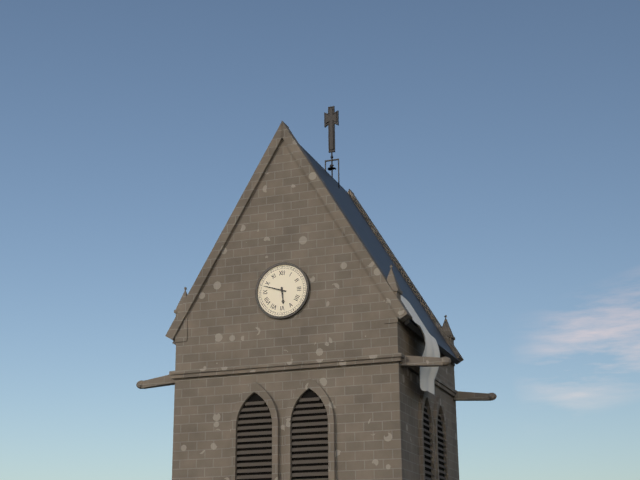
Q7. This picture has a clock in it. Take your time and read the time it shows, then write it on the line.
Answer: 5:48
